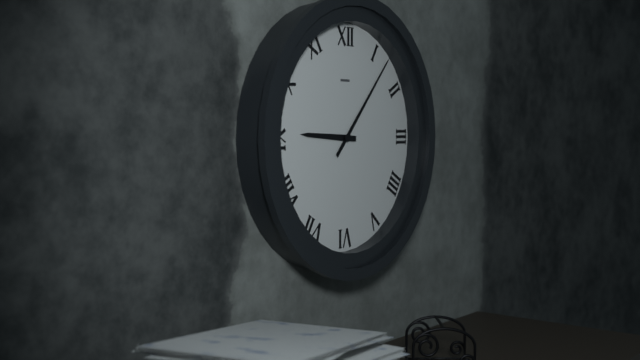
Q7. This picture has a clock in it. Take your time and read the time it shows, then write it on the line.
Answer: 9:07
